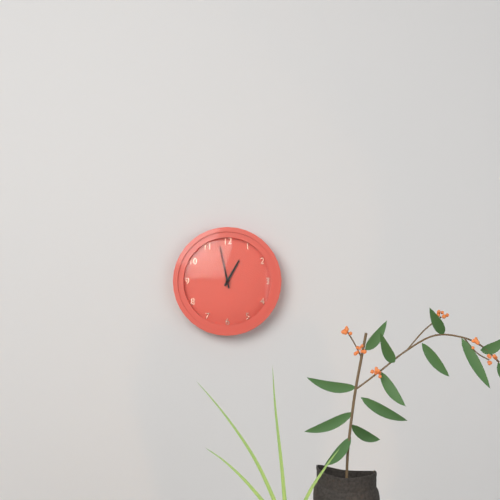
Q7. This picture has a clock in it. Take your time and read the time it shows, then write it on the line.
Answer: 12:58
